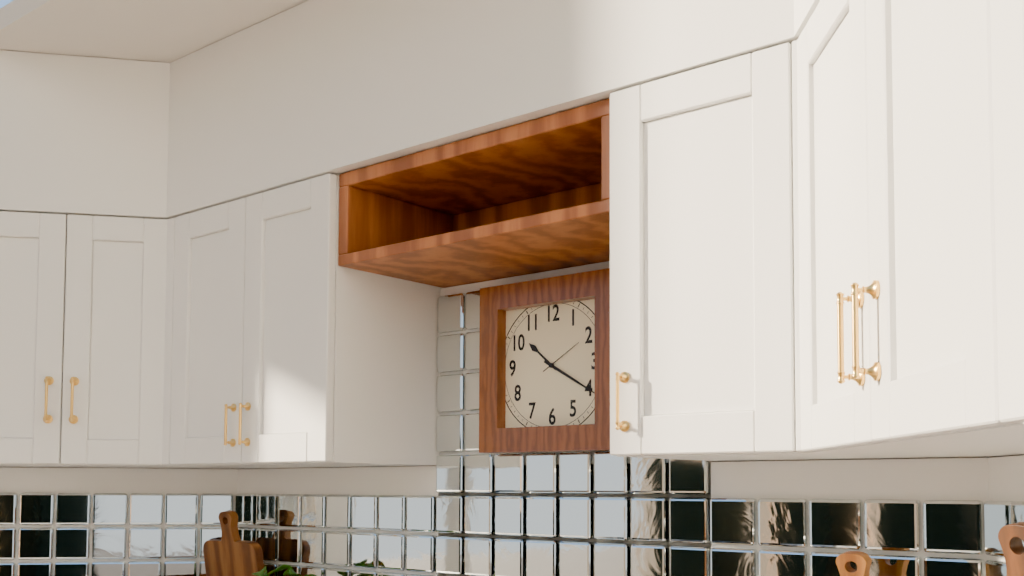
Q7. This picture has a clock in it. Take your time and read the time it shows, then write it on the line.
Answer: 10:20
